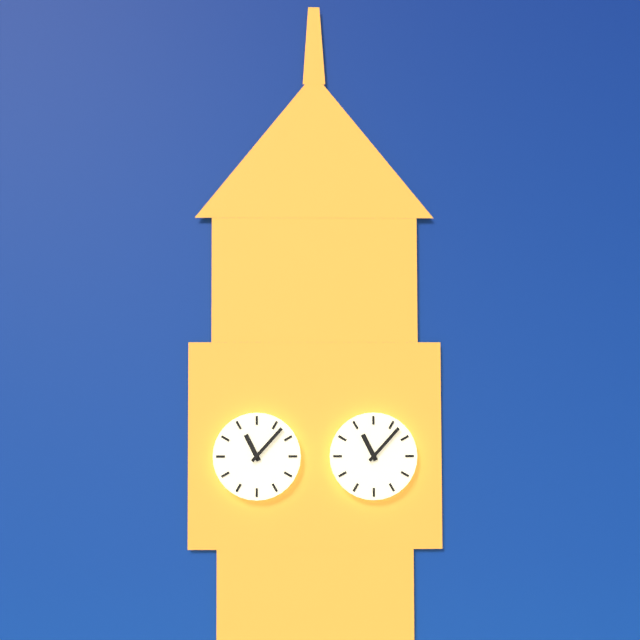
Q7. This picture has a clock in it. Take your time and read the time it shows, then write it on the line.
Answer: 11:07
